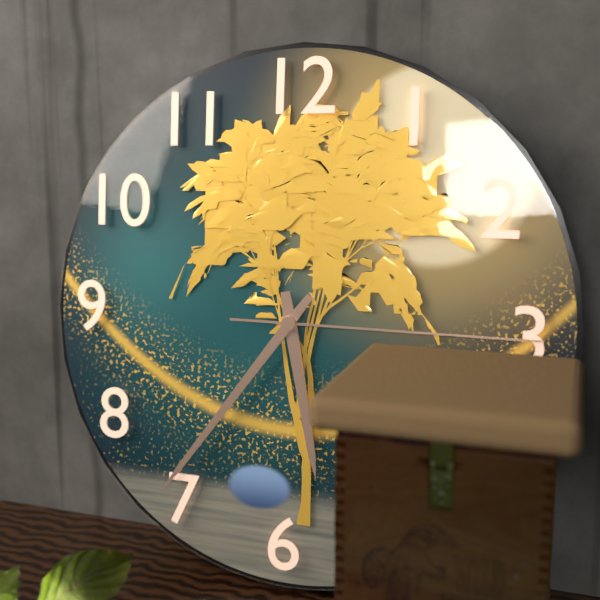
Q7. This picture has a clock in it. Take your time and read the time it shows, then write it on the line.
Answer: 5:36:15
